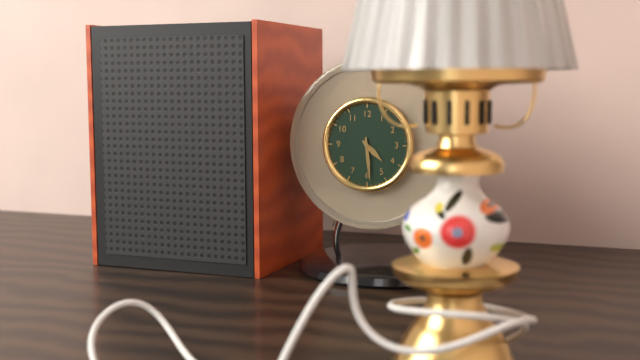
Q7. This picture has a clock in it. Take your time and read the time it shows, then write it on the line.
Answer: 4:29
